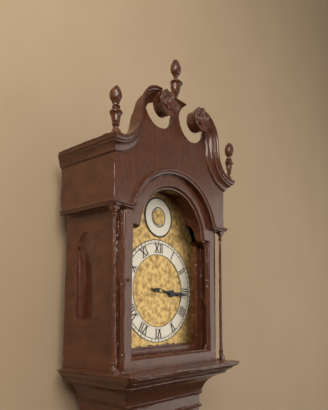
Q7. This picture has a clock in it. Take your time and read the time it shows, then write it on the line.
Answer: 3:16
